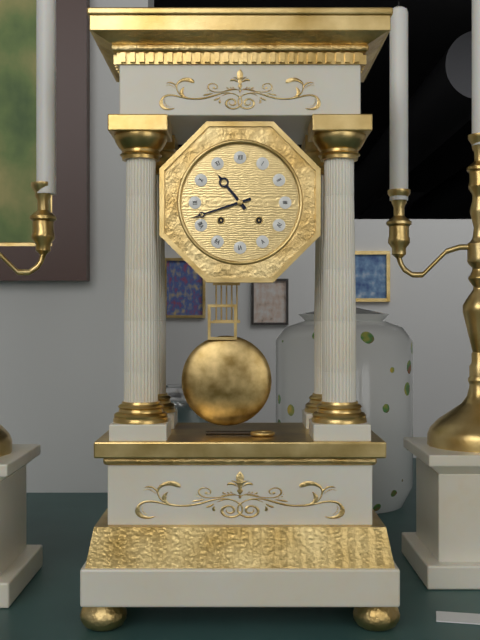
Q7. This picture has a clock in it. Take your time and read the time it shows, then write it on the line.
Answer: 10:42
